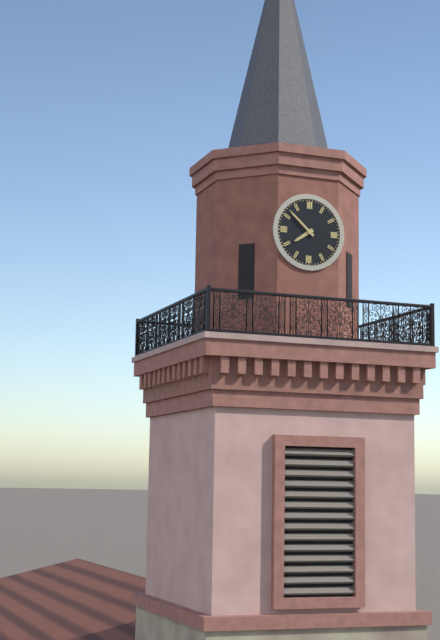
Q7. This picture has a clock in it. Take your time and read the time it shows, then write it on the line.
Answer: 7:52
